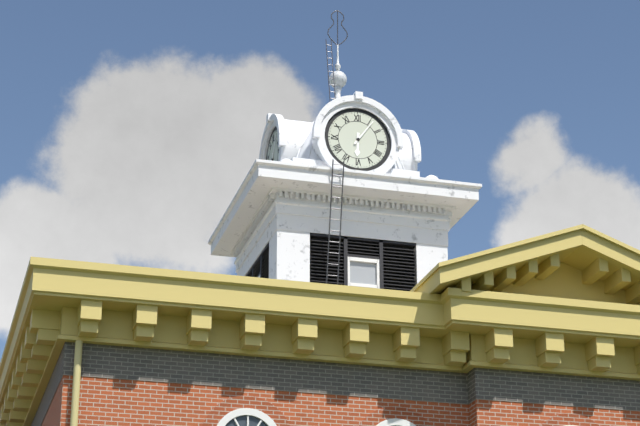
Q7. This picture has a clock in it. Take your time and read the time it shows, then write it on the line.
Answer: 6:06
